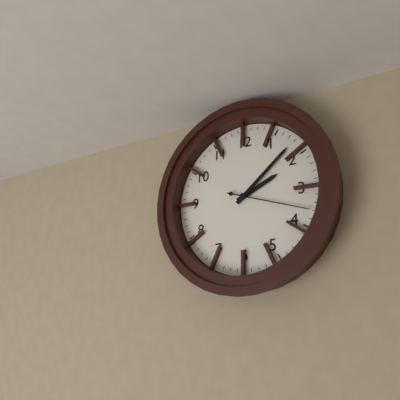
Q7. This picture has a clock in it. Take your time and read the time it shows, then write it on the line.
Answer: 2:08:18
